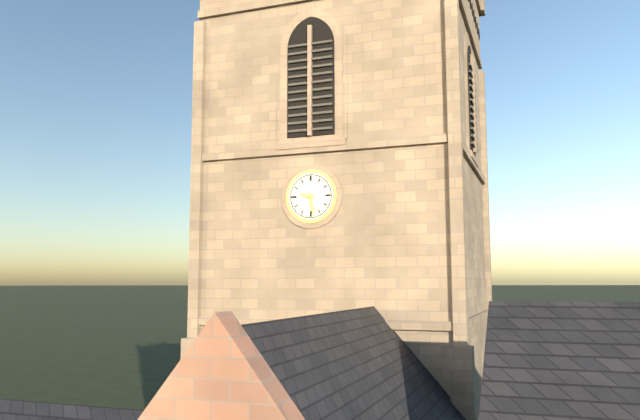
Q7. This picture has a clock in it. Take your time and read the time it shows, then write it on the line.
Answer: 9:28
